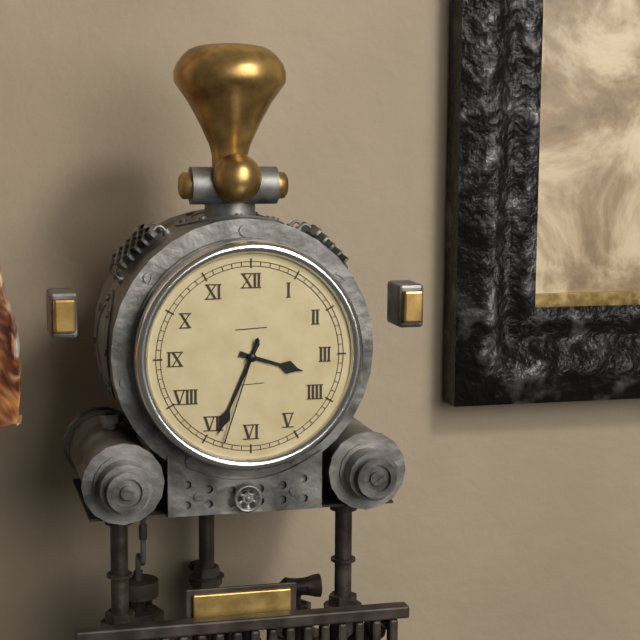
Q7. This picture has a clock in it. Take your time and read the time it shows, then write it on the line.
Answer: 3:34:33
